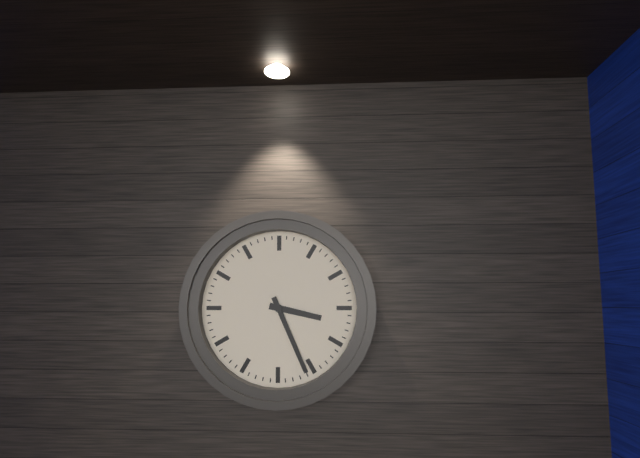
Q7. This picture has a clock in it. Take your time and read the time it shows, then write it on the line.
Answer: 3:26
